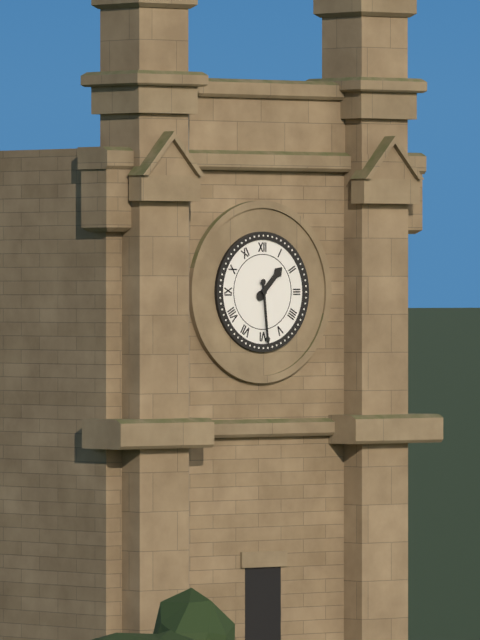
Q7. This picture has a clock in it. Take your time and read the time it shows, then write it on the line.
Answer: 1:29
